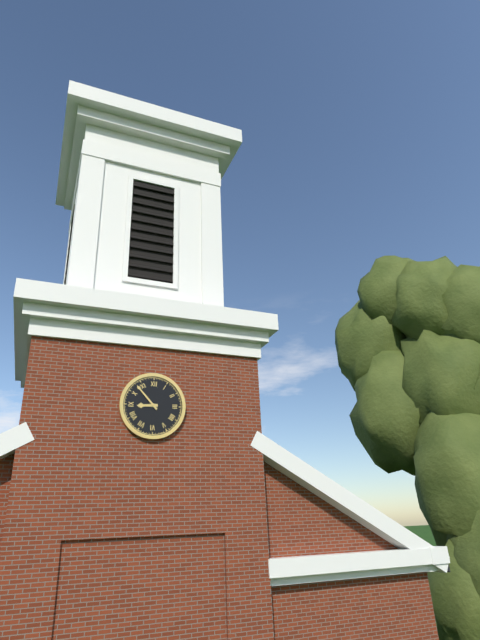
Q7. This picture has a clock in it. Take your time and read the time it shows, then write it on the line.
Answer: 8:53
